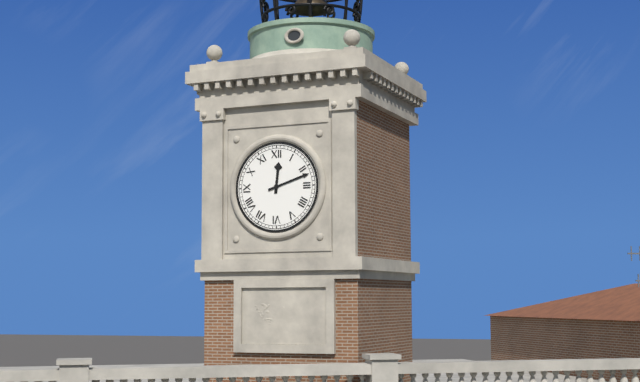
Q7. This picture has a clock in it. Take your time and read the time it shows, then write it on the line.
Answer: 12:12
